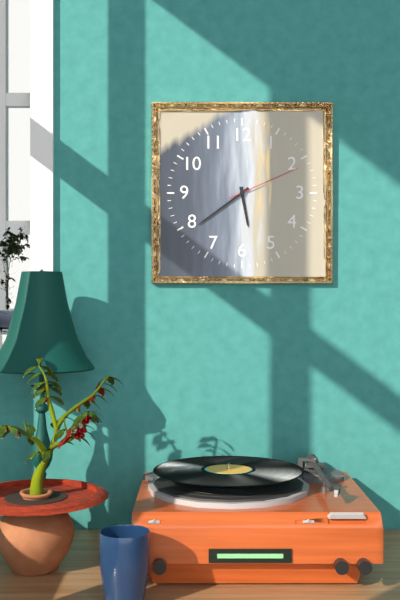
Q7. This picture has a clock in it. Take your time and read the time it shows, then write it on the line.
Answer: 5:39:11
